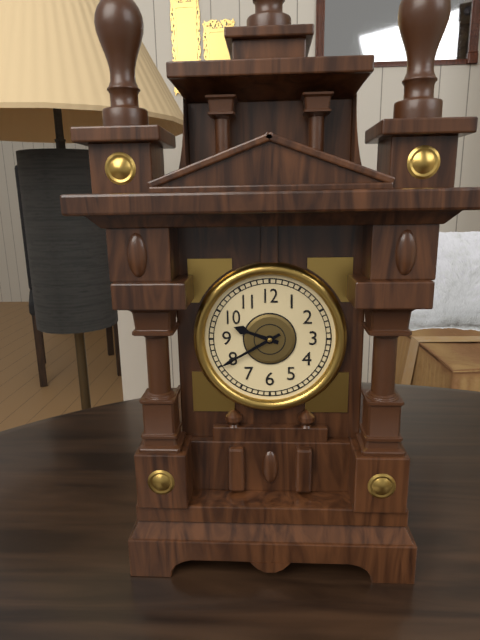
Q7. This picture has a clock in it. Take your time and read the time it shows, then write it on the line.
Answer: 9:40
